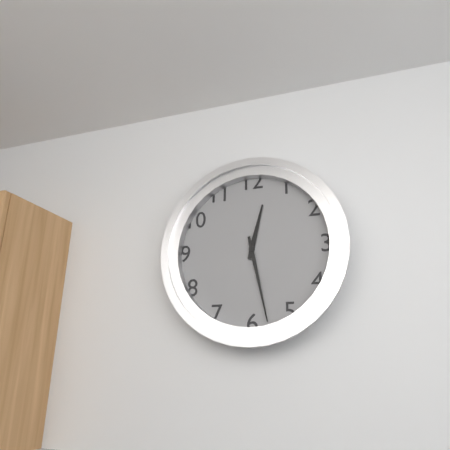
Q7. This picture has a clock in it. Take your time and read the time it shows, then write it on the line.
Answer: 12:28
